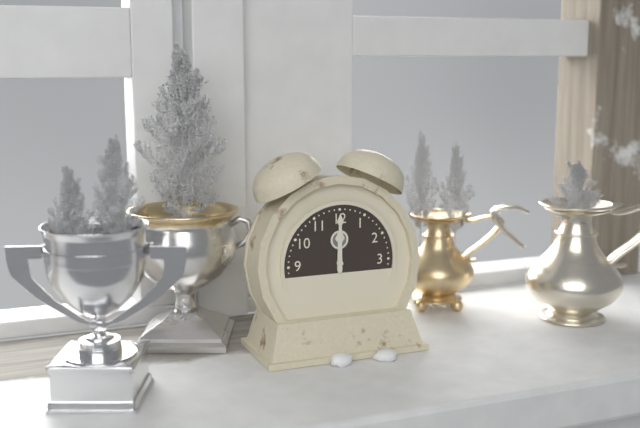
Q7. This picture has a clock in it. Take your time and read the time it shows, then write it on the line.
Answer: 12:00
